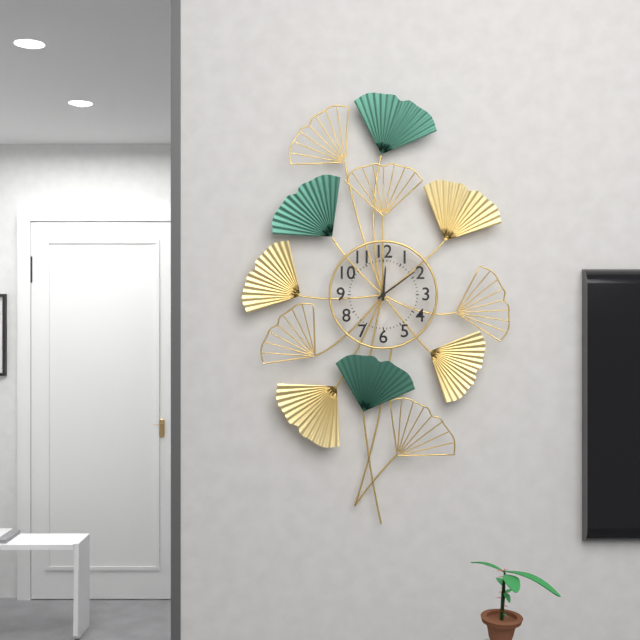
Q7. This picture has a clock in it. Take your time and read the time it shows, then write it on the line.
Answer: 12:09
